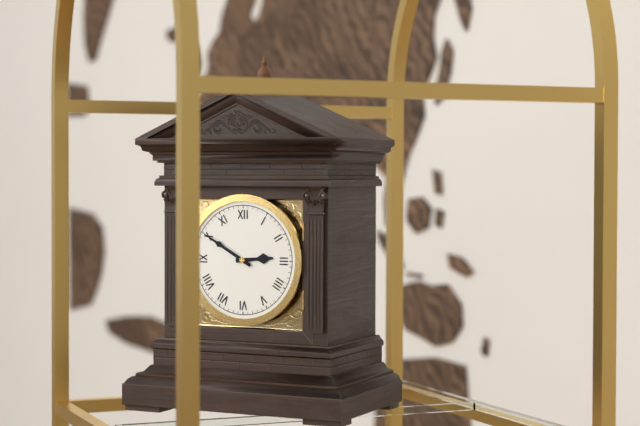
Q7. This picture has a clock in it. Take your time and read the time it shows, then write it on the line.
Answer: 2:50
